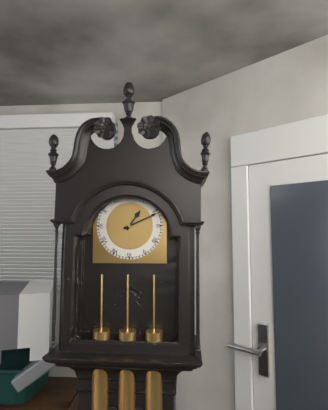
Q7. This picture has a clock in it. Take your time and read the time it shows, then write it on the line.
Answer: 1:11
